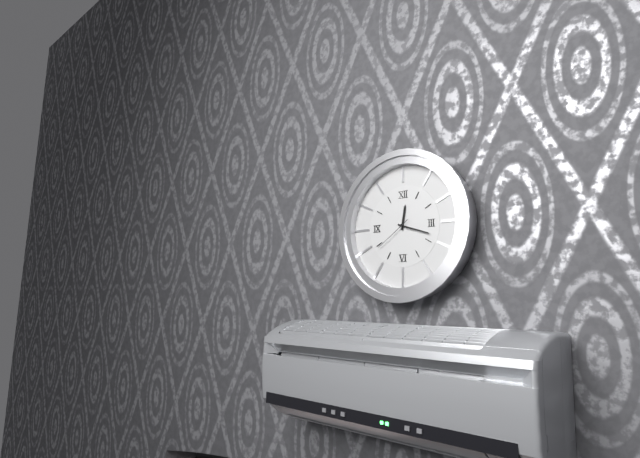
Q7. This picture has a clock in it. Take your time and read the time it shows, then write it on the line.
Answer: 12:18
